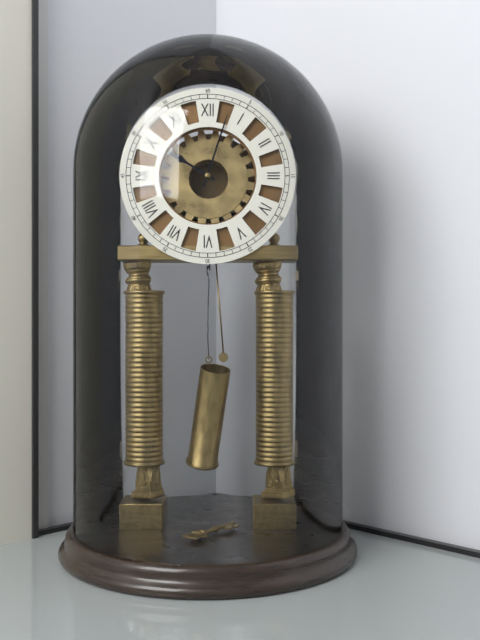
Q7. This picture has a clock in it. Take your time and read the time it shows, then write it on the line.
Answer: 10:03
